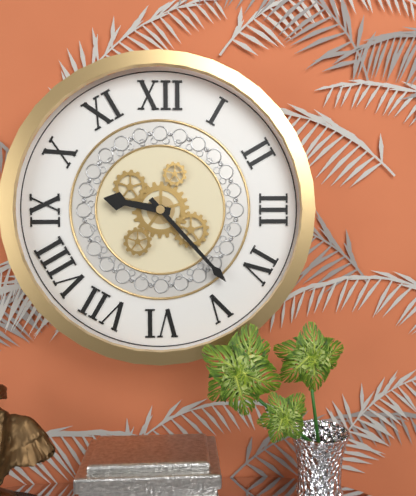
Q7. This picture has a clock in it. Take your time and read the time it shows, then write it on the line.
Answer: 9:23
